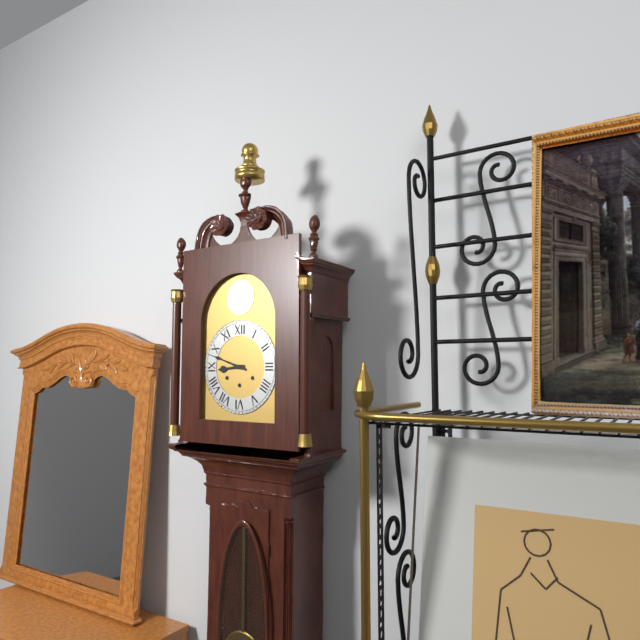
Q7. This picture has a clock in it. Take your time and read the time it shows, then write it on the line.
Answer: 8:48
